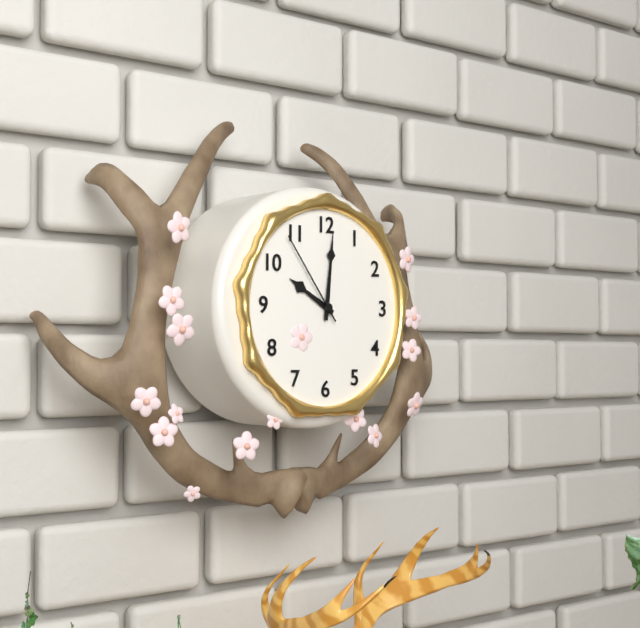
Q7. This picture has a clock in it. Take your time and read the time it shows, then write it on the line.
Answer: 10:01:54
